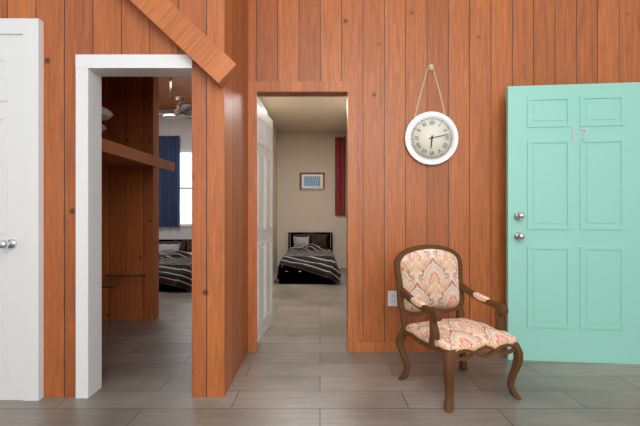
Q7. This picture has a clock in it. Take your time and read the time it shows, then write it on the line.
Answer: 6:13
